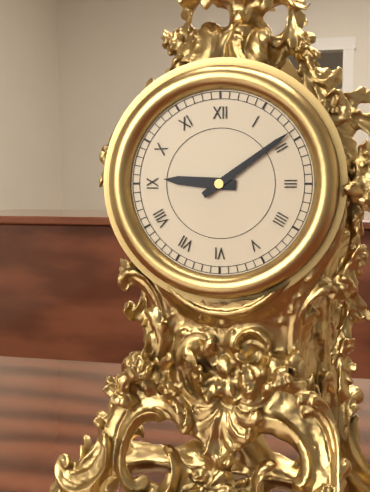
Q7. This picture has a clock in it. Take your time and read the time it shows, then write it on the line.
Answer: 9:09
